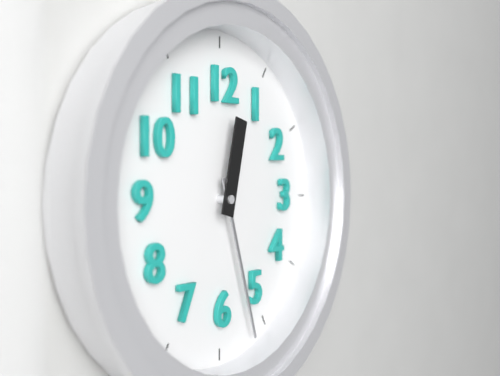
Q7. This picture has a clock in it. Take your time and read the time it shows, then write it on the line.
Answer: 12:27
